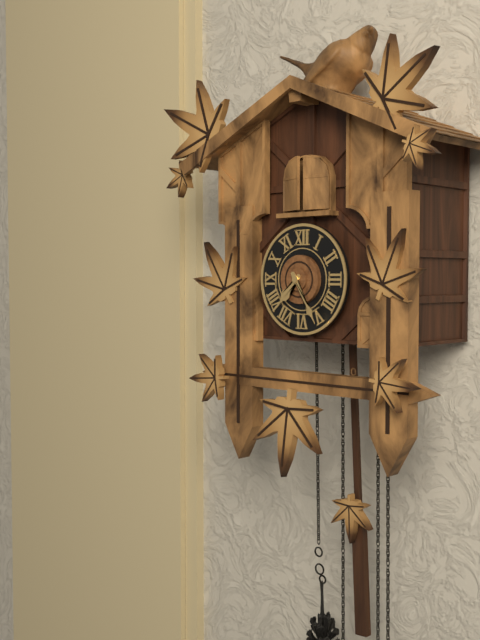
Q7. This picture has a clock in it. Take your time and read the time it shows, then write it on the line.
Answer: 7:25
